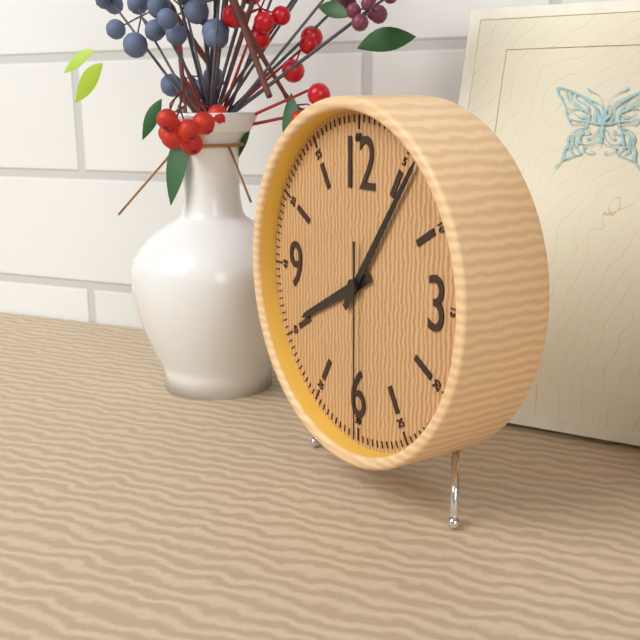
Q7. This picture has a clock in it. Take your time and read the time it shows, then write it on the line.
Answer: 8:06:30
